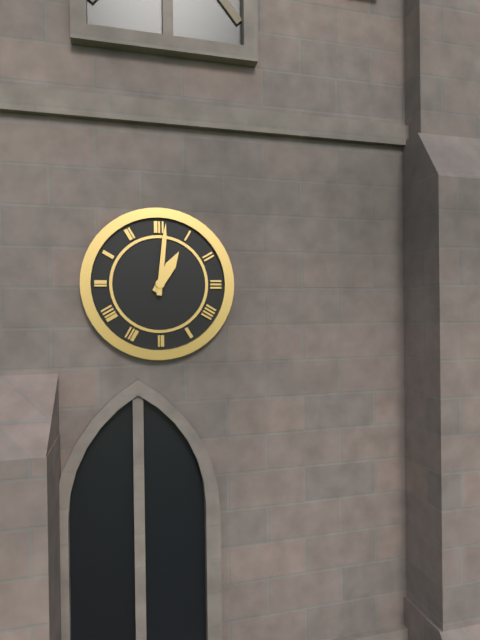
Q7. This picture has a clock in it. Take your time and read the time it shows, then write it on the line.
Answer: 1:01
